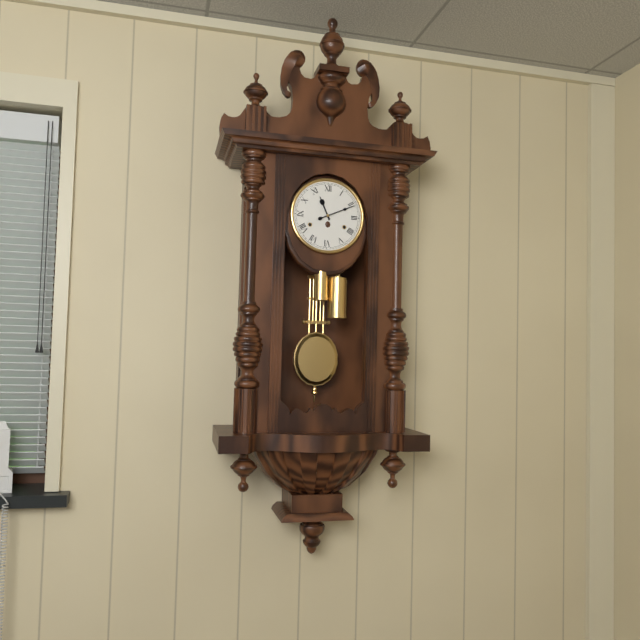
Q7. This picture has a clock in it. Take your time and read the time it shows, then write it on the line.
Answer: 11:11
